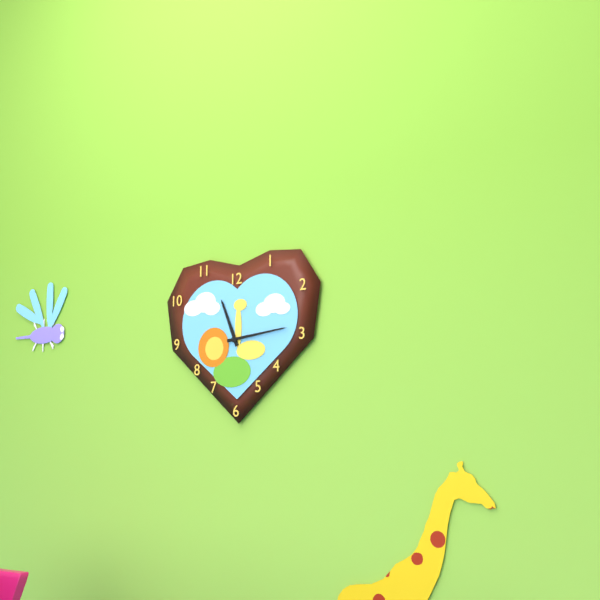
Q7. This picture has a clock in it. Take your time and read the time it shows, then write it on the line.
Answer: 11:14
